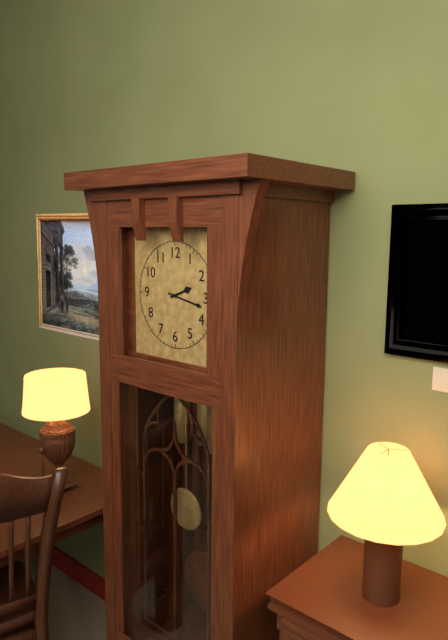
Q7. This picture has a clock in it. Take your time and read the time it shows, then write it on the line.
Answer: 2:17
